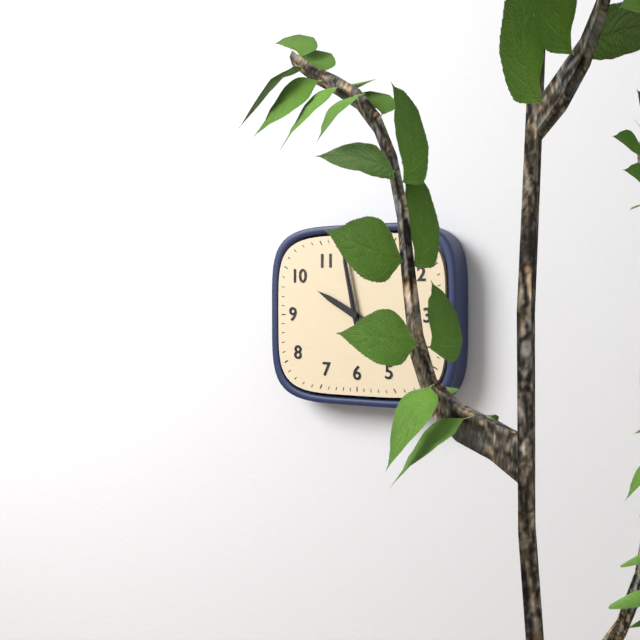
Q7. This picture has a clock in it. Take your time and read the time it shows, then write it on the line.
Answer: 9:58:58
